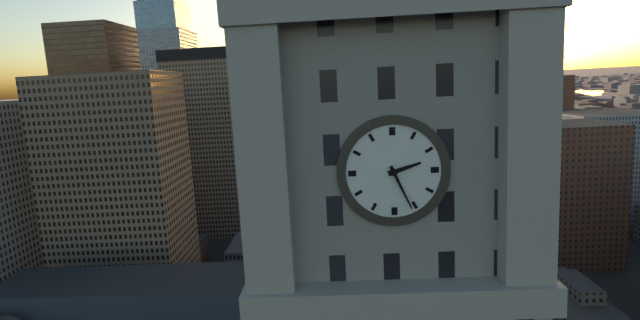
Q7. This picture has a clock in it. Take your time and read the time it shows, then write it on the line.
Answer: 2:26
